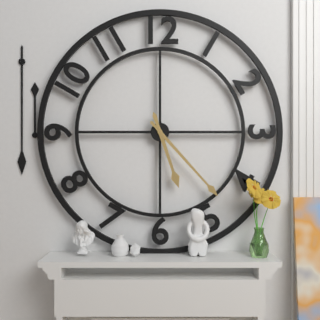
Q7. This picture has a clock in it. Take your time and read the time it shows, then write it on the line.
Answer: 5:23
